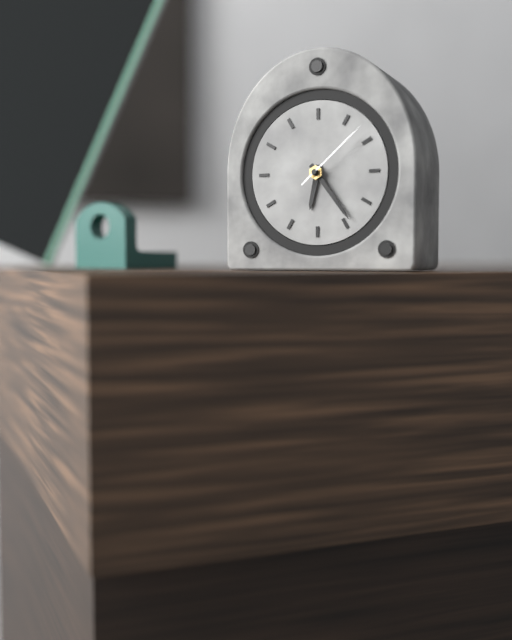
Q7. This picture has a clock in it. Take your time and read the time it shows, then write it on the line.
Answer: 6:24:08
